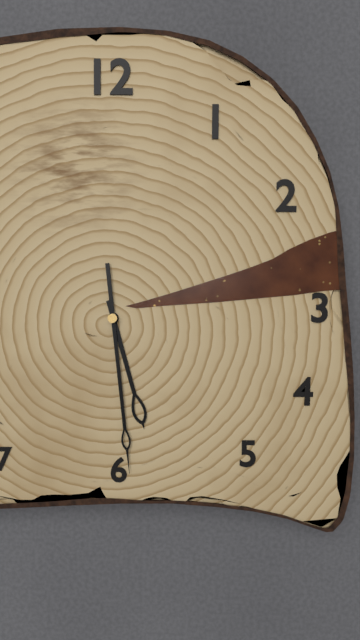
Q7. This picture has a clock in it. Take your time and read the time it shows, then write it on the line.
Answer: 5:29
